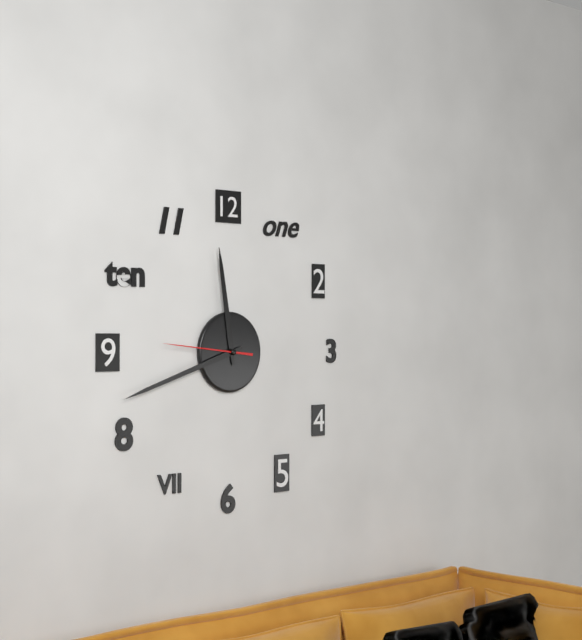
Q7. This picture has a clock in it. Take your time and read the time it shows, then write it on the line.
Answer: 11:42:46
